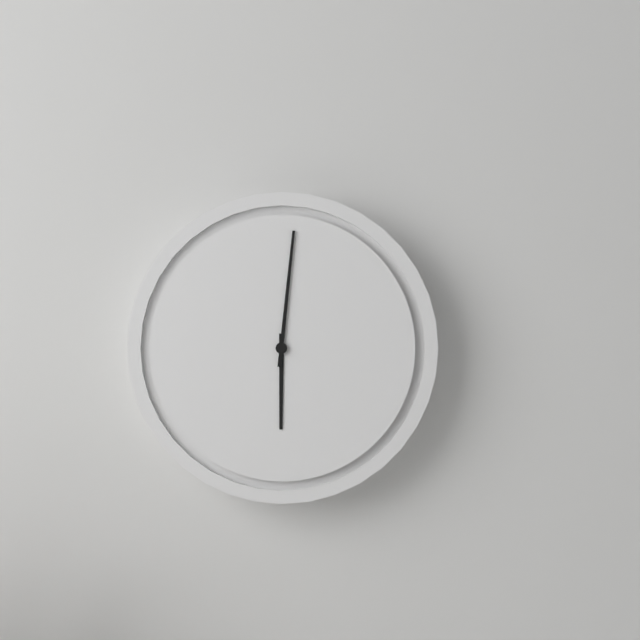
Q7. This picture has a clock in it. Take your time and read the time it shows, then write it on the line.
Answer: 6:01
